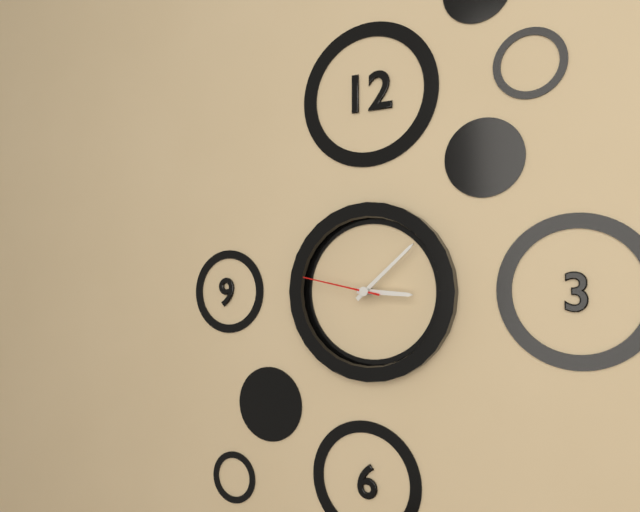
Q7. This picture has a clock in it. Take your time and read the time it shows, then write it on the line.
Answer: 3:08:47
